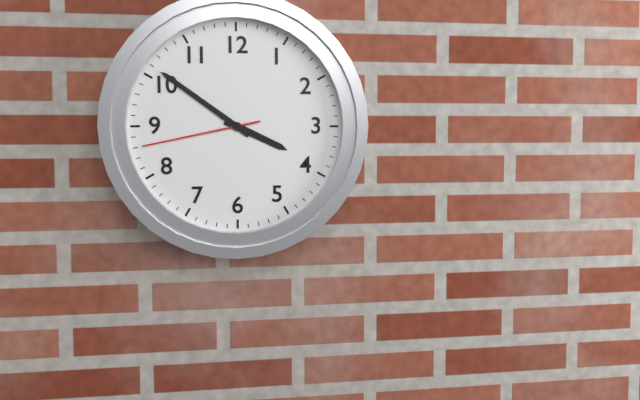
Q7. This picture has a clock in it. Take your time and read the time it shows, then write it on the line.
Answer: 3:51:43
